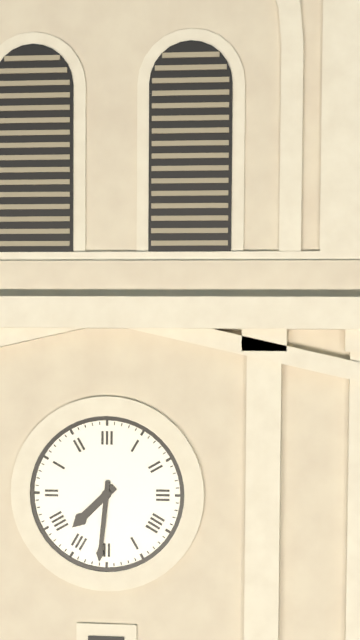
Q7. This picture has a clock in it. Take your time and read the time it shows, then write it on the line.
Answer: 7:31
